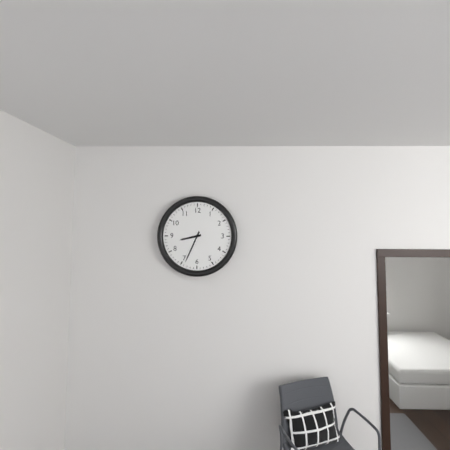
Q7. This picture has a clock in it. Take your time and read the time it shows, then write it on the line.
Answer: 8:34
